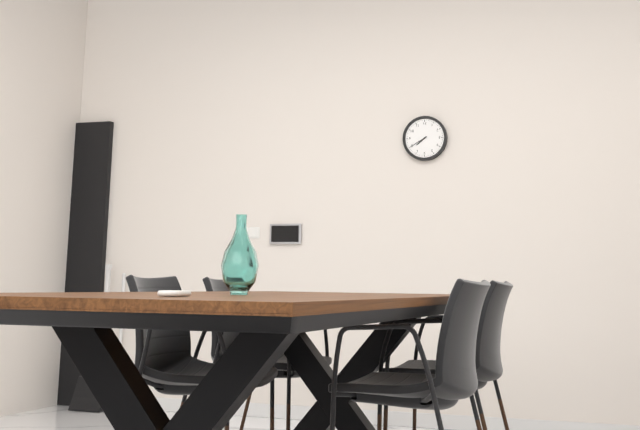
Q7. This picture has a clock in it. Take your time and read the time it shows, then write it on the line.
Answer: 7:40
